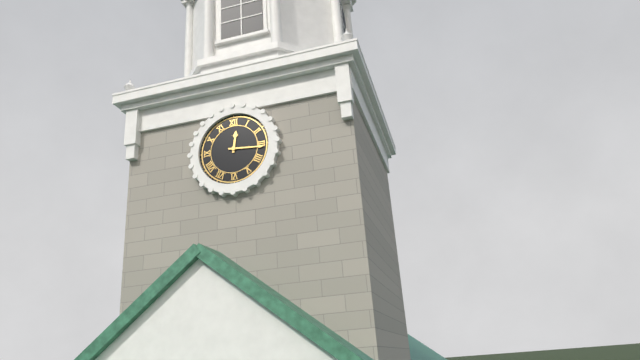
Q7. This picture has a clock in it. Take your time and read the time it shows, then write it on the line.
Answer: 12:16
